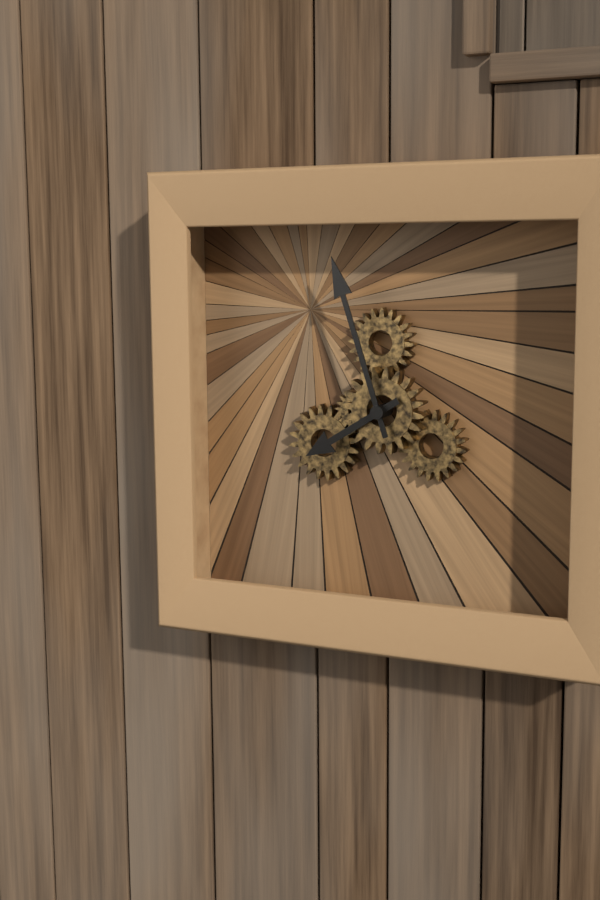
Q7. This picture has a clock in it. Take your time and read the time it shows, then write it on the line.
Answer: 7:57
